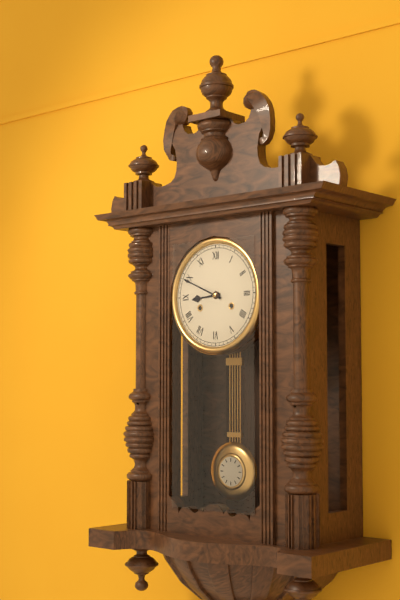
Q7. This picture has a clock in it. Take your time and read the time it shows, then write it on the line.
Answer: 8:49
